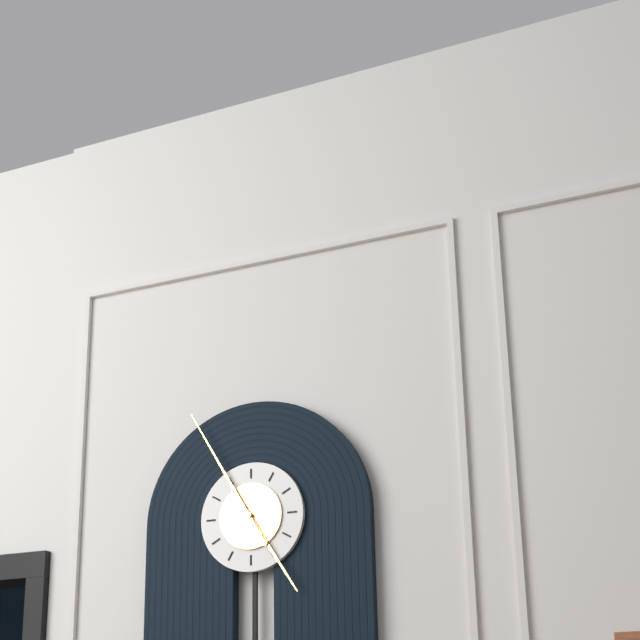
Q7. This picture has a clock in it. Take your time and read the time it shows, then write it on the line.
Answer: 4:55
